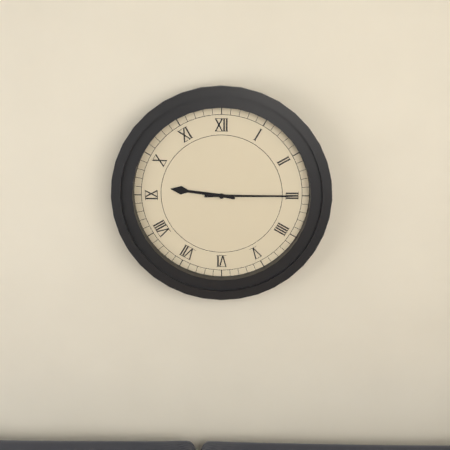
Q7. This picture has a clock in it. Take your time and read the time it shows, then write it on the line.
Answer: 9:15
